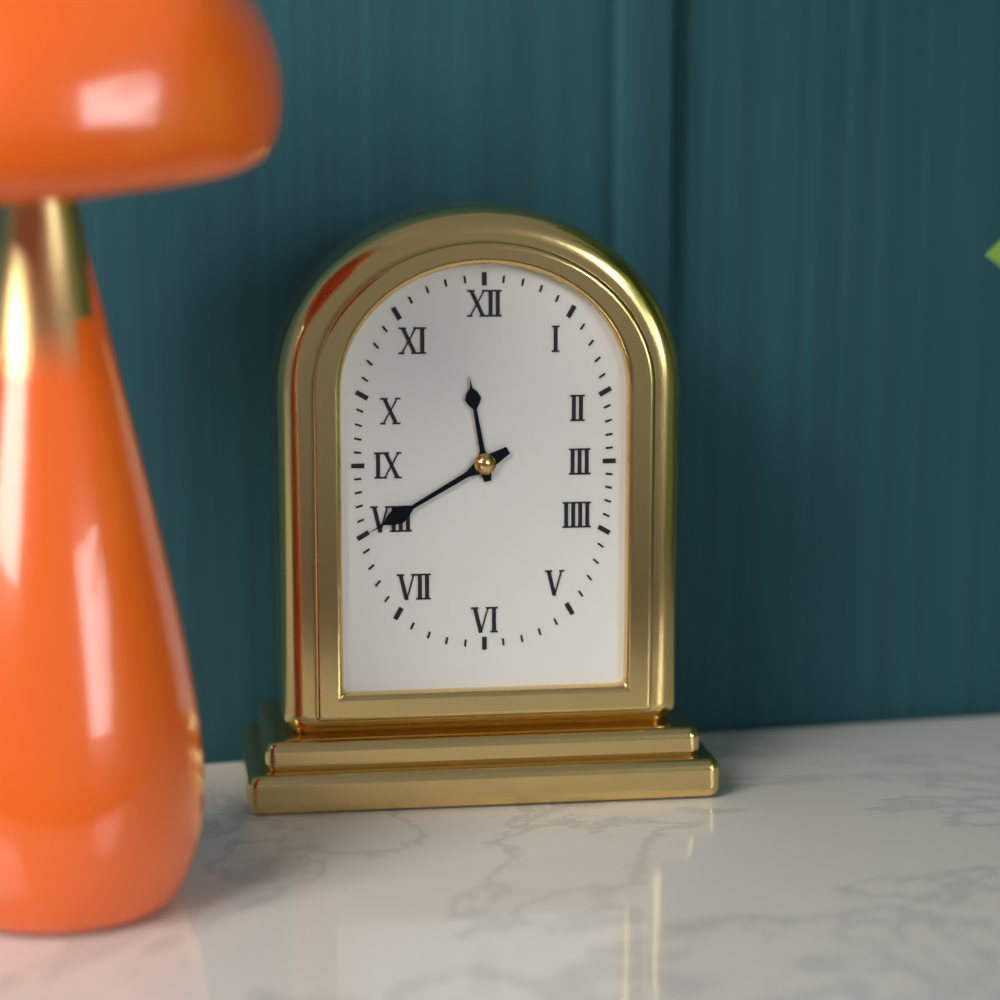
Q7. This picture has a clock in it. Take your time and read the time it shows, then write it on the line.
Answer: 11:40
